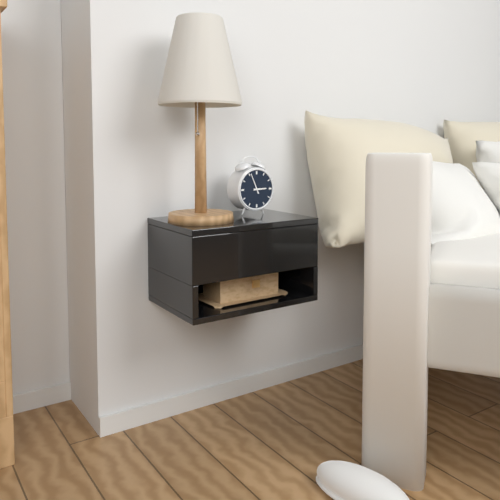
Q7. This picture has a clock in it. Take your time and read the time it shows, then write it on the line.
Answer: 2:56
